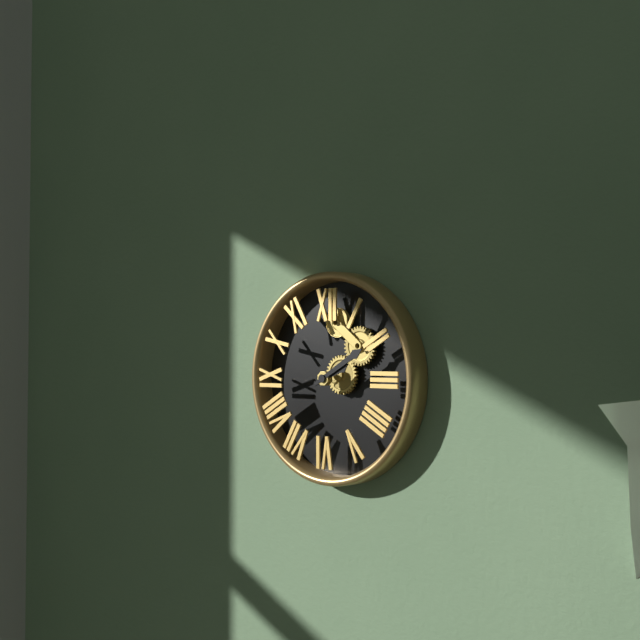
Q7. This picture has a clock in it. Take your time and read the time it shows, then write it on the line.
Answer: 2:10
